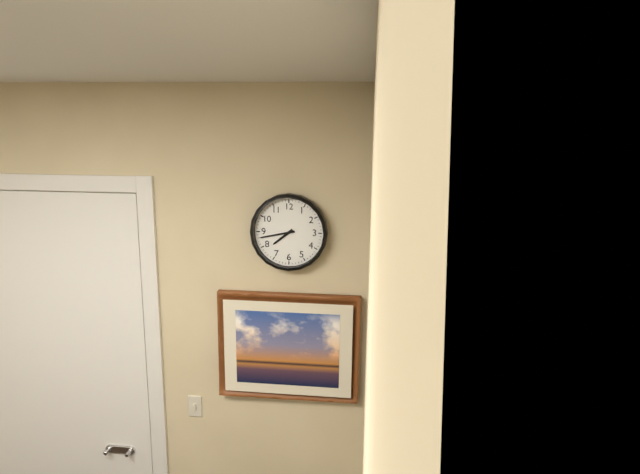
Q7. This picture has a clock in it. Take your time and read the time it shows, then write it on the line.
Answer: 7:43
